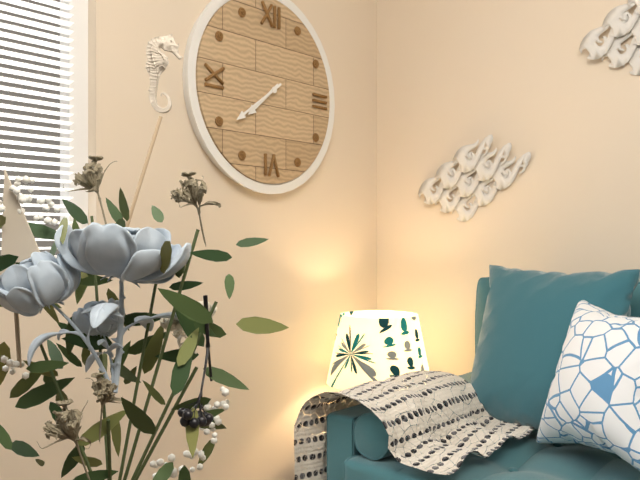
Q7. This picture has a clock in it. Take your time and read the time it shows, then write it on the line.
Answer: 7:39
